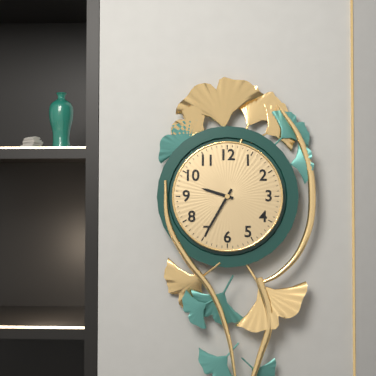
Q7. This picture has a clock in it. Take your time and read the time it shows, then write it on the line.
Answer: 9:35
